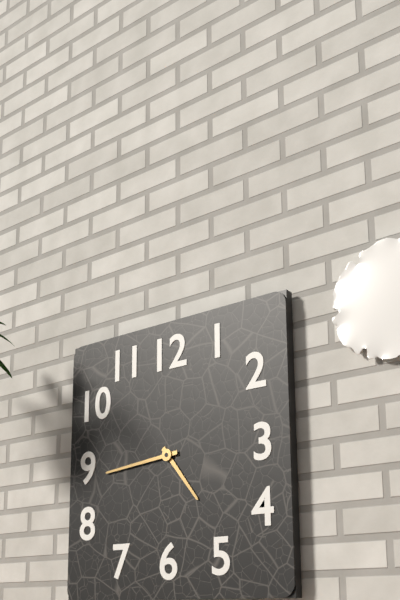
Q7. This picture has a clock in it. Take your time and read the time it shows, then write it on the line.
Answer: 4:44
